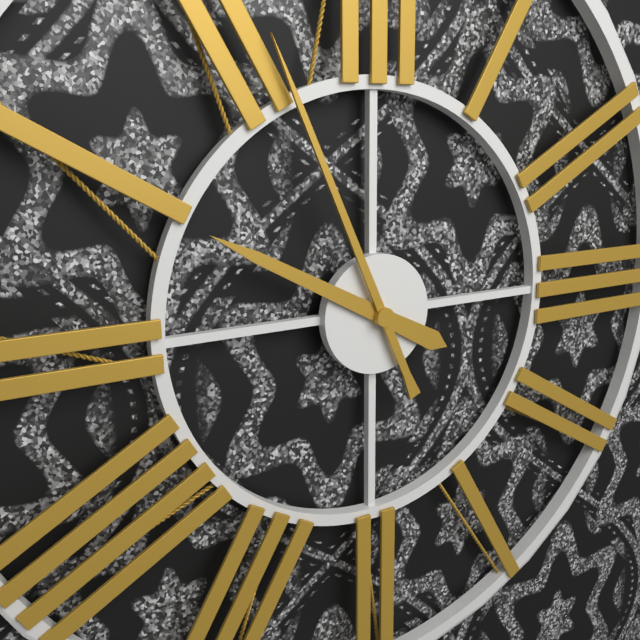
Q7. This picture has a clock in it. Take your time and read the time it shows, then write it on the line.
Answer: 9:56
